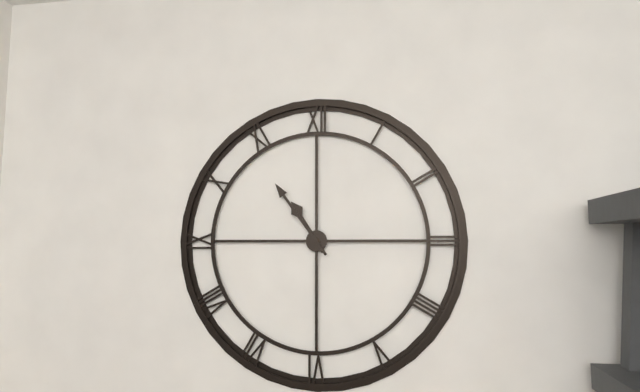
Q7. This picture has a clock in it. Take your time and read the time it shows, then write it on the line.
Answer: 10:54
